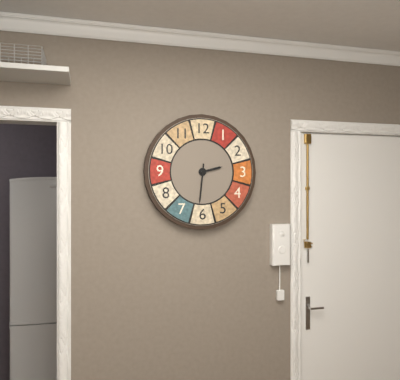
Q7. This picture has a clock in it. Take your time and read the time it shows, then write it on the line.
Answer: 2:31
